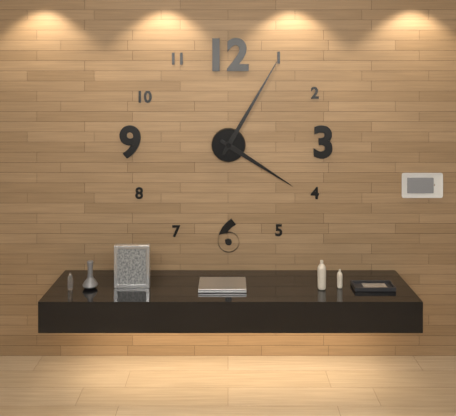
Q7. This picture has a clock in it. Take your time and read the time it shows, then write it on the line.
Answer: 4:05
